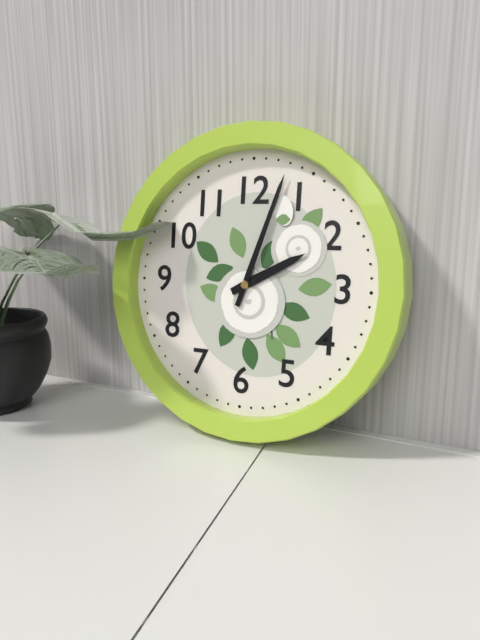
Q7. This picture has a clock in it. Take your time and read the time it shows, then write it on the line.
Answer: 2:03
